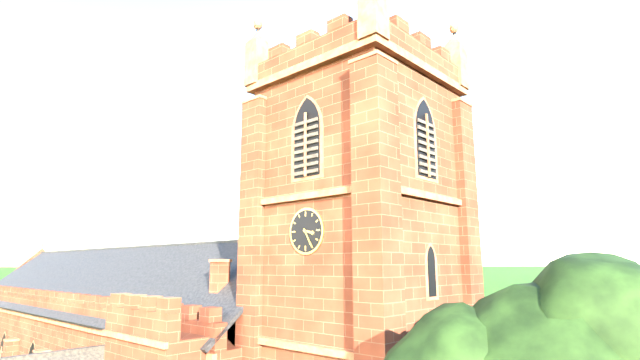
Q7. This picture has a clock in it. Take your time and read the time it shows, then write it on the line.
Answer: 3:25
